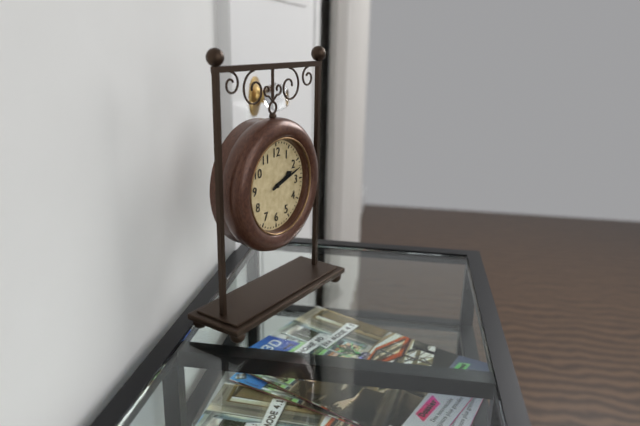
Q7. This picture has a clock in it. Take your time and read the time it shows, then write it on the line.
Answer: 2:12
